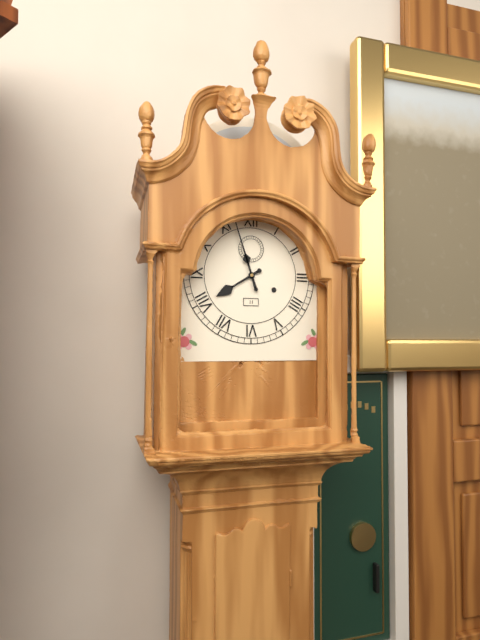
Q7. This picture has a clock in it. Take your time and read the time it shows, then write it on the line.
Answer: 7:57
